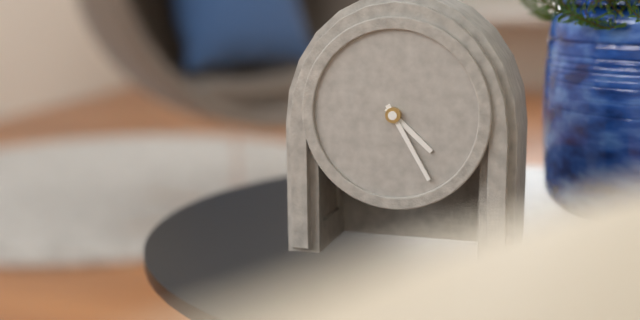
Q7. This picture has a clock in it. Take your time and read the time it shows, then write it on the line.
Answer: 4:25
